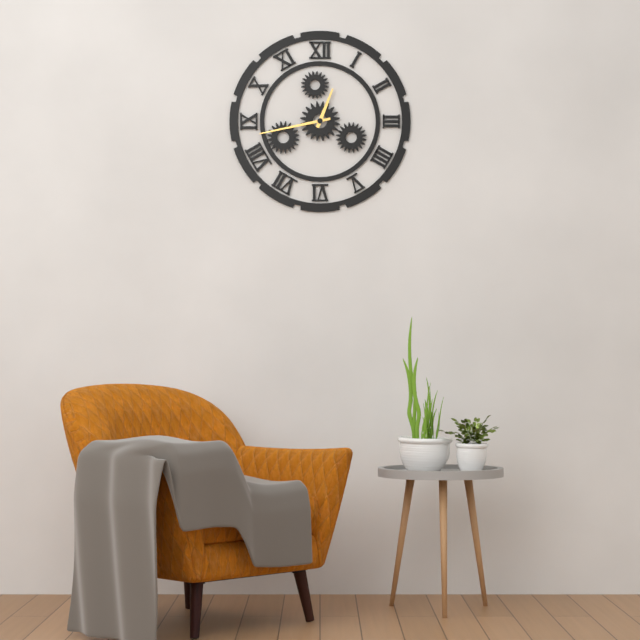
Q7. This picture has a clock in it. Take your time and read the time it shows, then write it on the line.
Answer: 12:43
